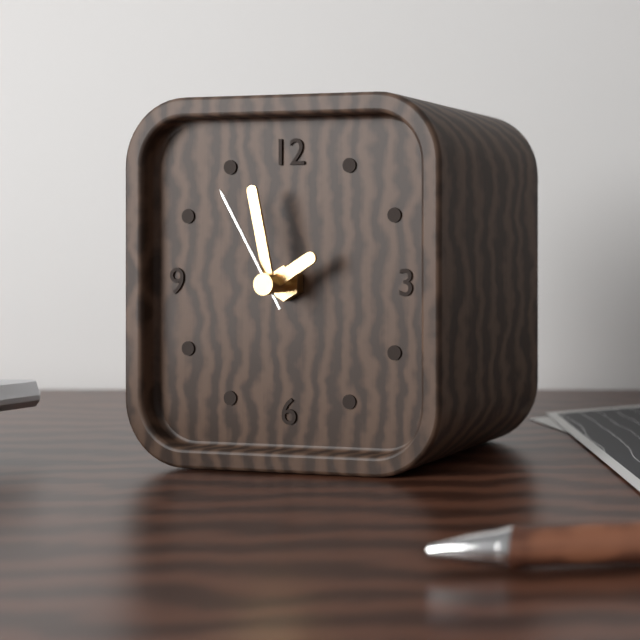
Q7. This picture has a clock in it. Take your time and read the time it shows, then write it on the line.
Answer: 1:58:55
